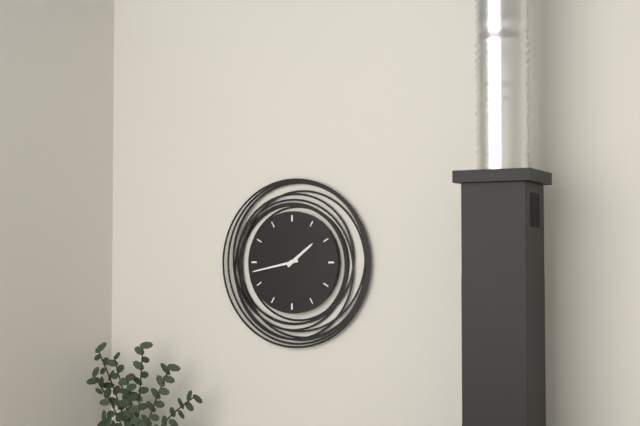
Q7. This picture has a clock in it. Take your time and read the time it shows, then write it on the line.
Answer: 1:43
